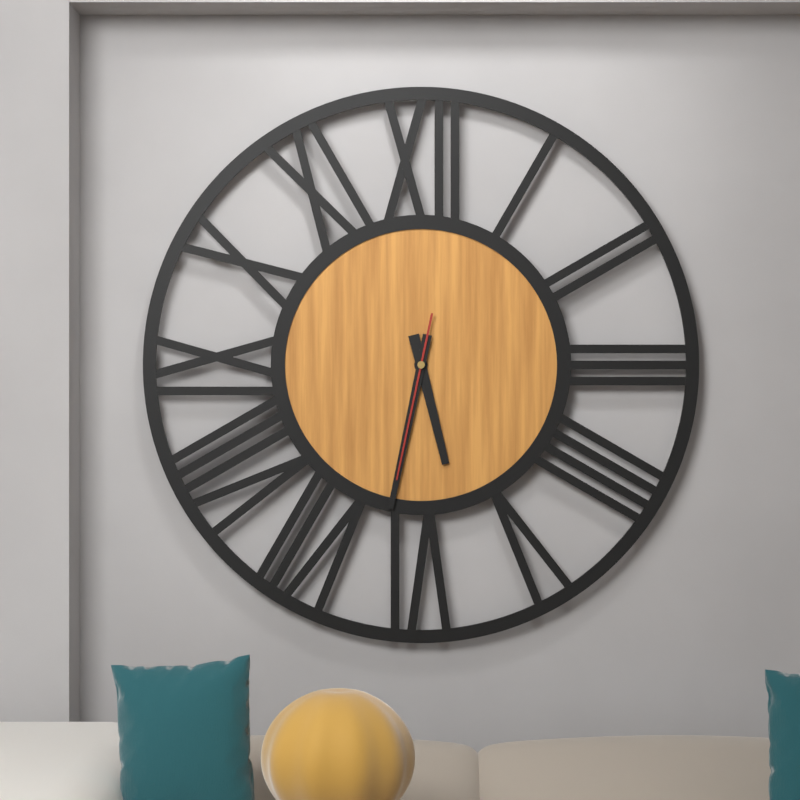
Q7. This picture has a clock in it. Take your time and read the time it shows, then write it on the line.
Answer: 5:32:32
